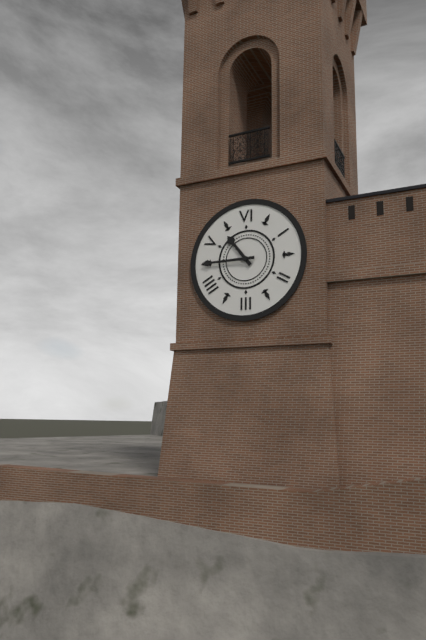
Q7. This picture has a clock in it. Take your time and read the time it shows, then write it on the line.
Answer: 10:45
